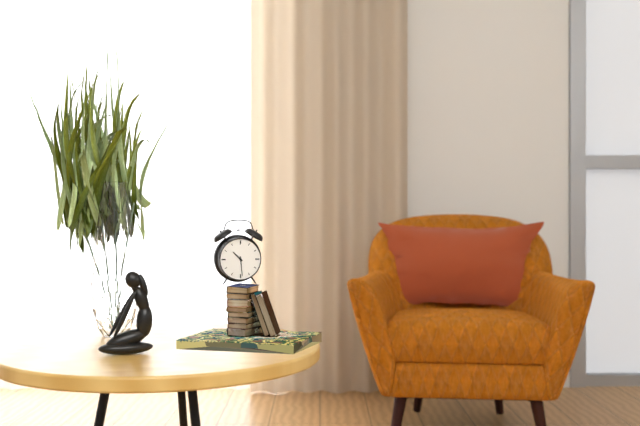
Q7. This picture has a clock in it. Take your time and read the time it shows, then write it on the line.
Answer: 10:29
